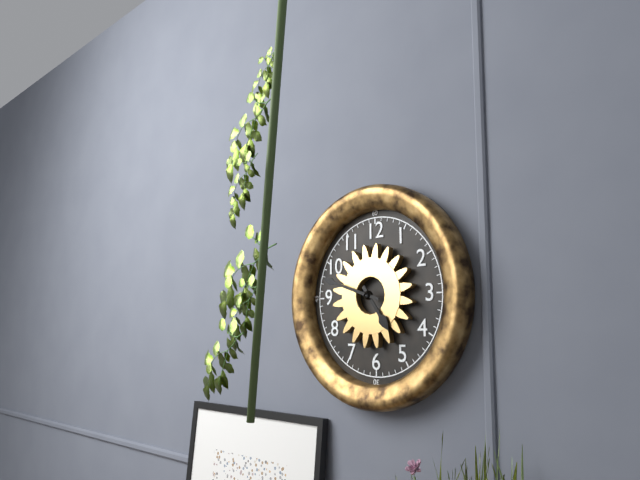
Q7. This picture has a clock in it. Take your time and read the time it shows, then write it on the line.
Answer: 4:48
